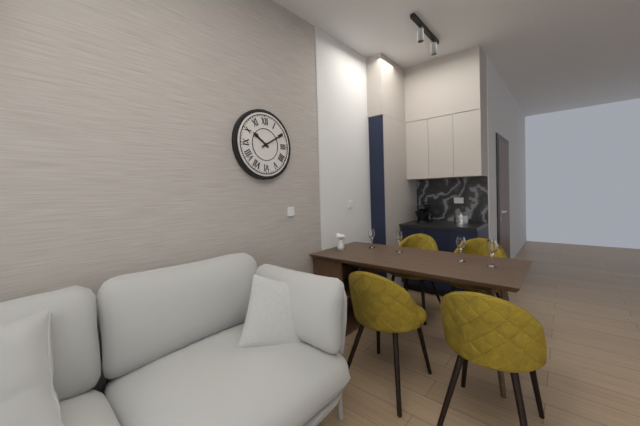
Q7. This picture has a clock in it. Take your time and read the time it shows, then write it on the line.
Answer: 10:10
